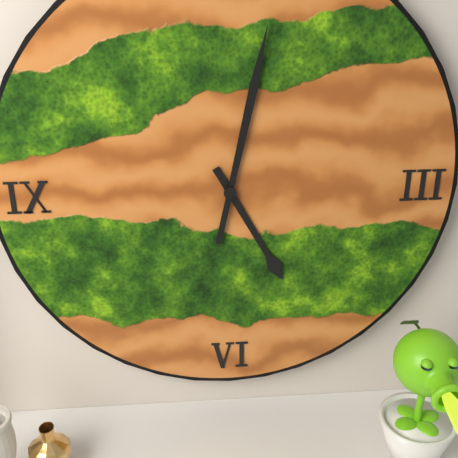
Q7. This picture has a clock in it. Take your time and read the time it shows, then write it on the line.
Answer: 5:02
